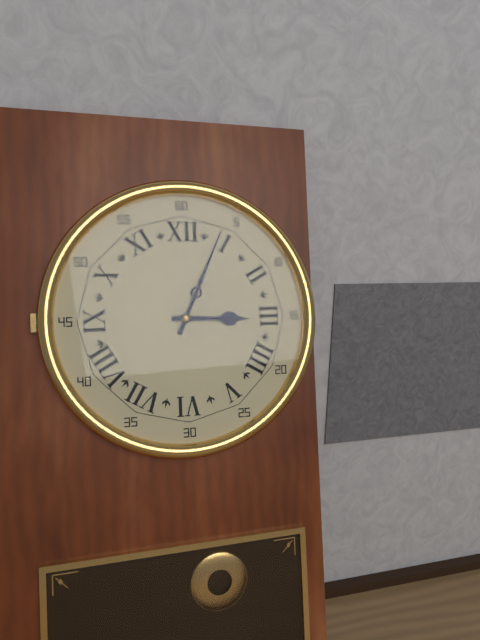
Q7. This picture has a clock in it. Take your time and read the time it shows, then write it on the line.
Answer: 3:04
